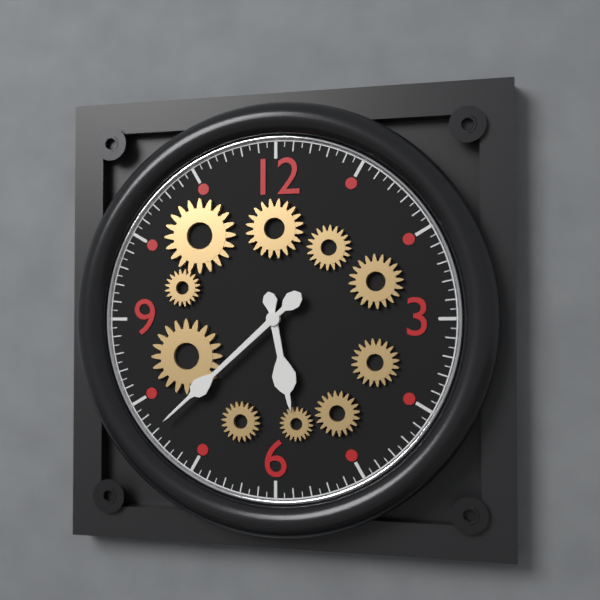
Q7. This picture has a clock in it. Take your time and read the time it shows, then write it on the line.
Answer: 5:38
